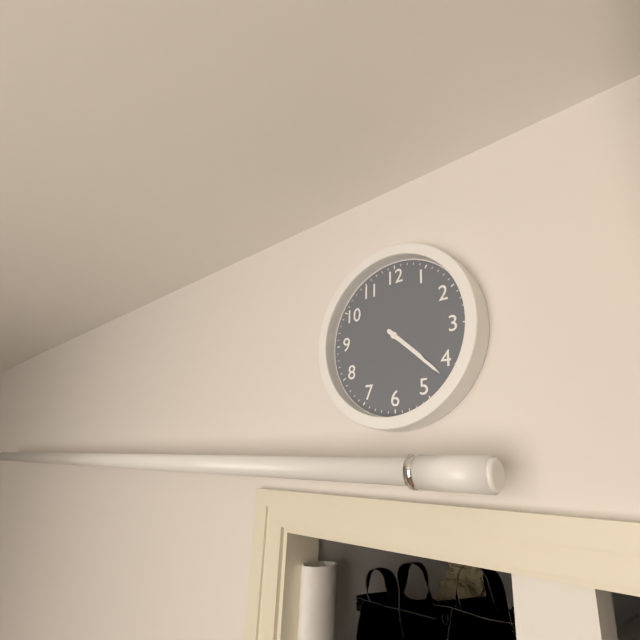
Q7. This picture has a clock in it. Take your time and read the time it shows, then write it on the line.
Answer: 4:22
